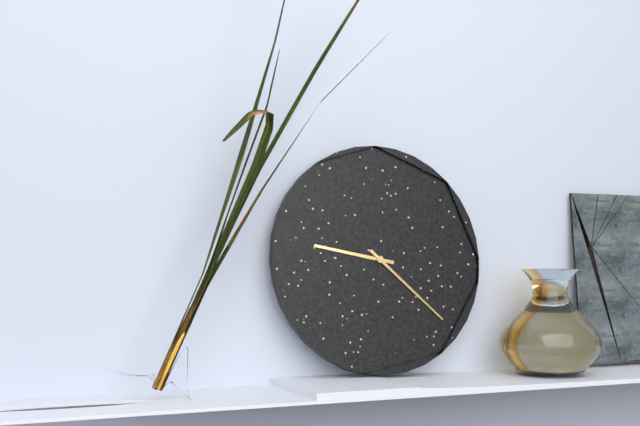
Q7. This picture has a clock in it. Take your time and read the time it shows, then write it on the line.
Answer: 9:22
